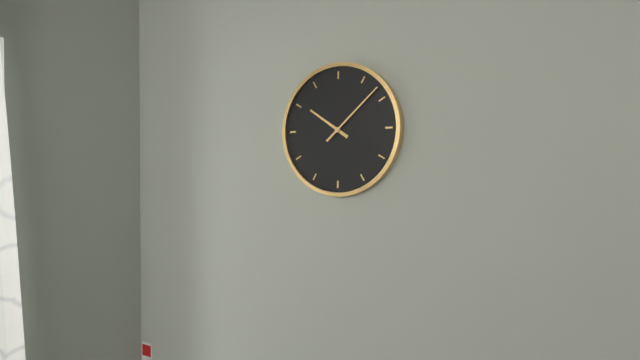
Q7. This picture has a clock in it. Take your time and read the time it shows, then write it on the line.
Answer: 10:08
